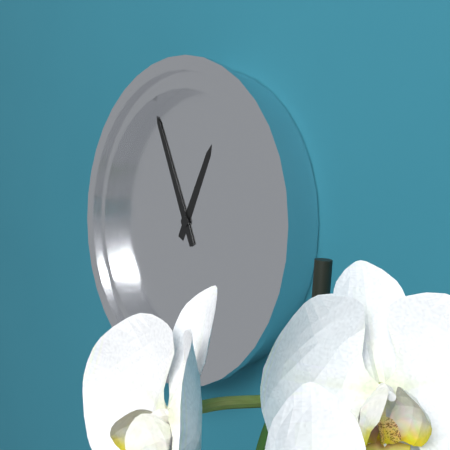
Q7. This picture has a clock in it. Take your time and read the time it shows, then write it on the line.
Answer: 12:56
